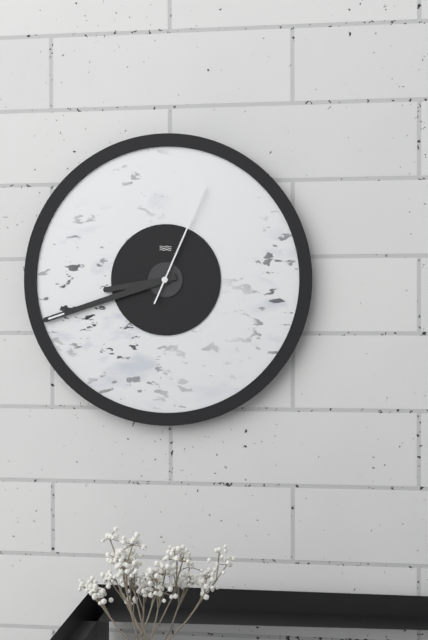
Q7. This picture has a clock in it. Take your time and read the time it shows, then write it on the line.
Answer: 8:42:04
